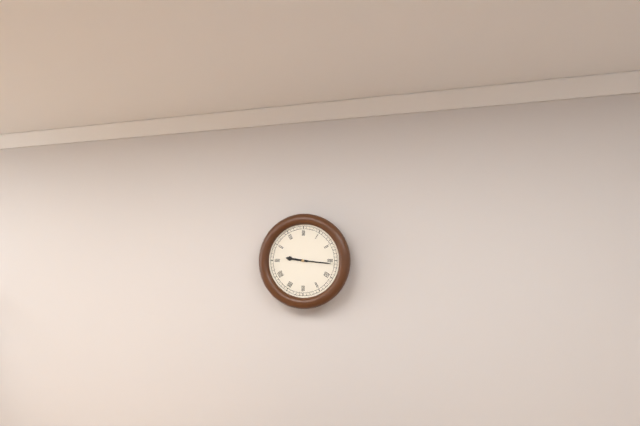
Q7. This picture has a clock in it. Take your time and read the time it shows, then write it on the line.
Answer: 9:16
